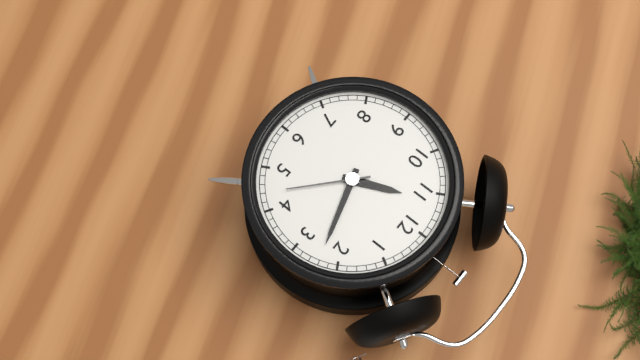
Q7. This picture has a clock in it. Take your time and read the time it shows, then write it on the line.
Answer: 11:12:22
